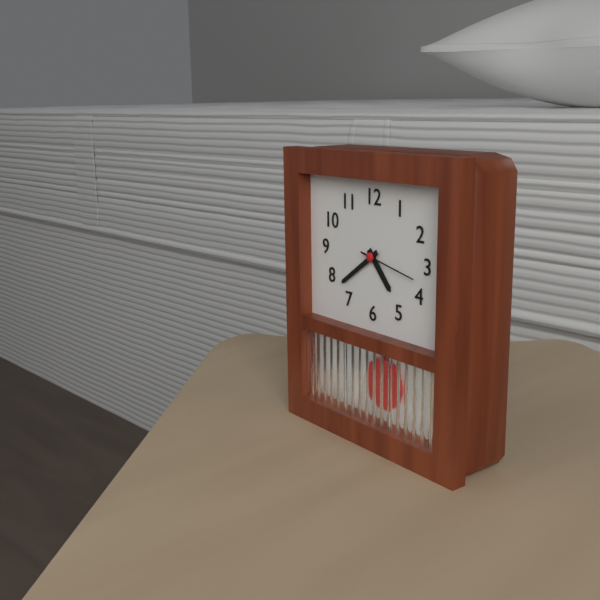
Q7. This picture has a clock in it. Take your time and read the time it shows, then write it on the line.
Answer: 4:39:17
